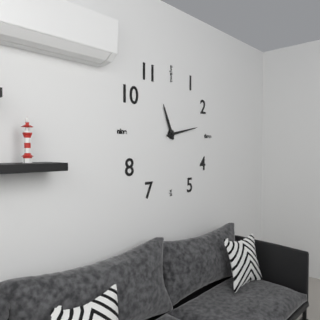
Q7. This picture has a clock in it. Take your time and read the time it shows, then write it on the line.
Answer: 11:13
